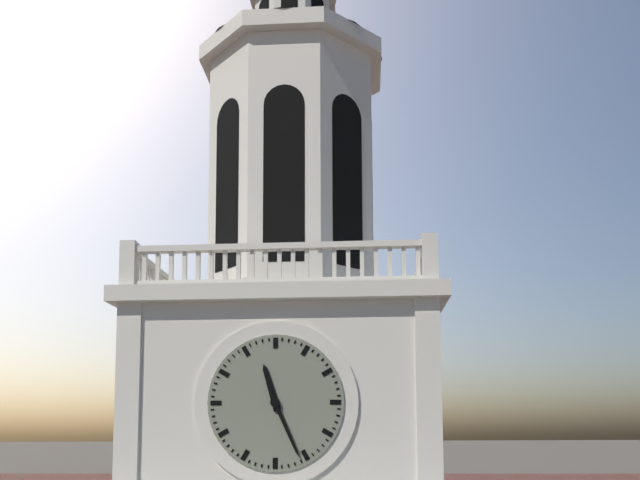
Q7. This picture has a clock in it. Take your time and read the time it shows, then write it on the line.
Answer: 11:26
